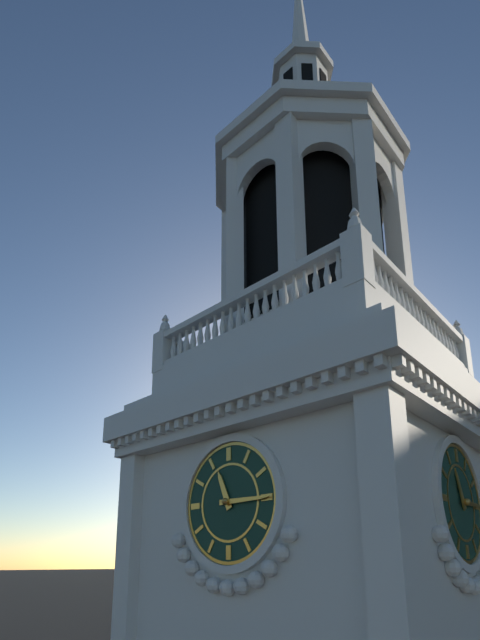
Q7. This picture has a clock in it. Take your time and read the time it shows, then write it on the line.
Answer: 11:15
